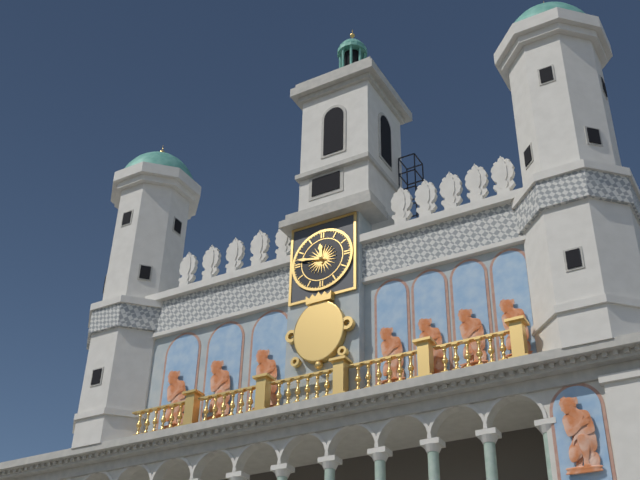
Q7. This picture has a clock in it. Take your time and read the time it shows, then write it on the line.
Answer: 11:47
